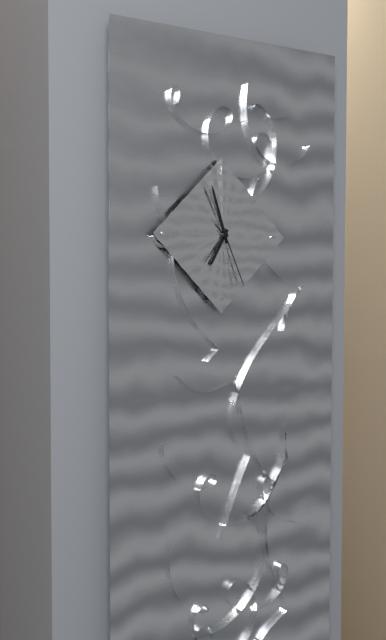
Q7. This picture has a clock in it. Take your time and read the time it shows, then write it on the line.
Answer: 6:57:26
